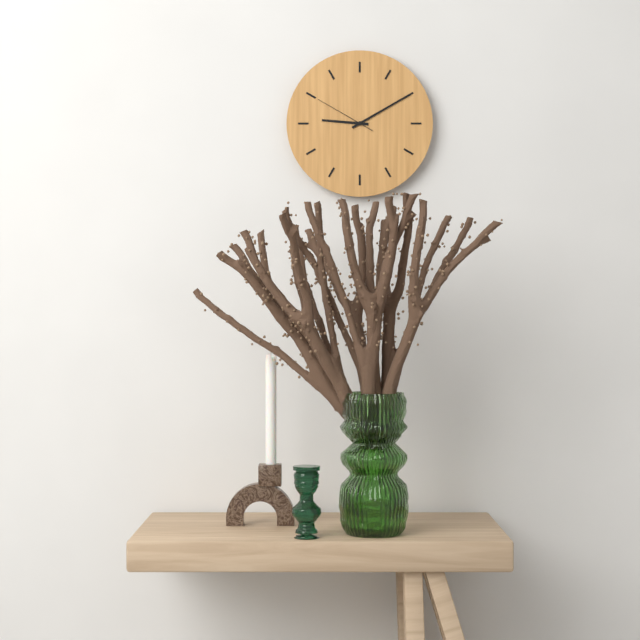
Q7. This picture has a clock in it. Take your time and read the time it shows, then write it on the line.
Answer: 9:10:50
